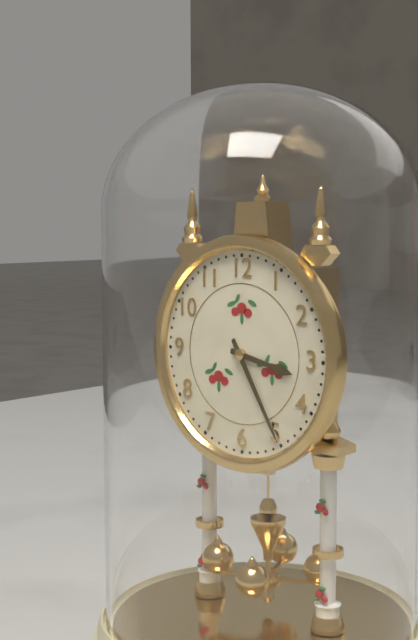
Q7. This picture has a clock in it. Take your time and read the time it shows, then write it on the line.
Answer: 3:25
